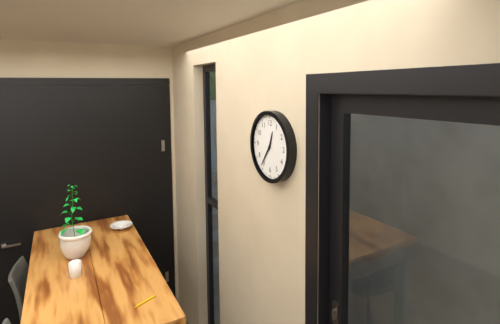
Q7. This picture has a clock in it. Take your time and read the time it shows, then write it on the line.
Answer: 12:36
